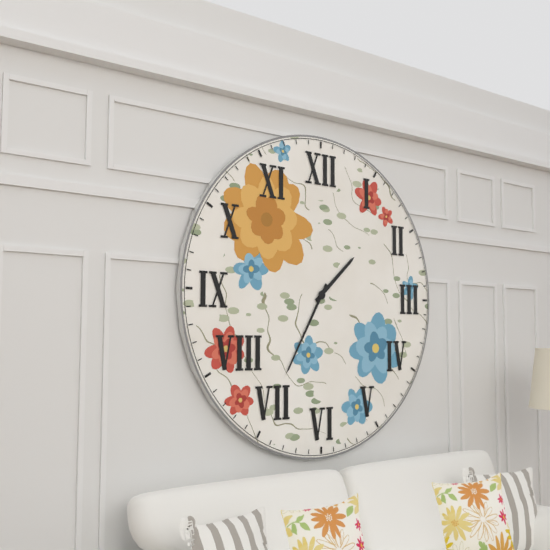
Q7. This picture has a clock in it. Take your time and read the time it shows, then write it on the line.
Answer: 1:35
